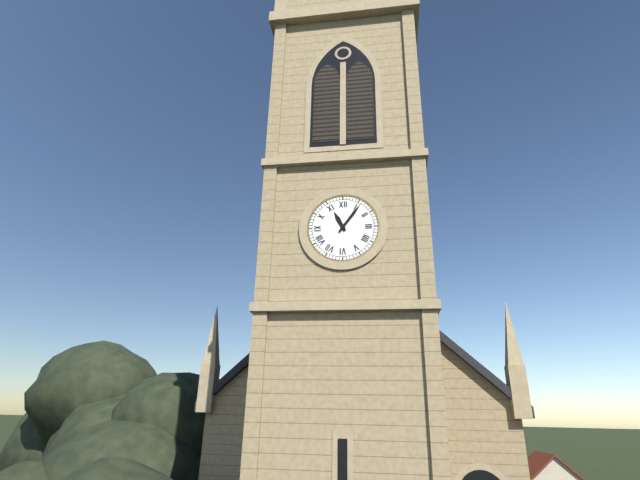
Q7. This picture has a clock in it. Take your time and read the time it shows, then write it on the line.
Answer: 11:06
